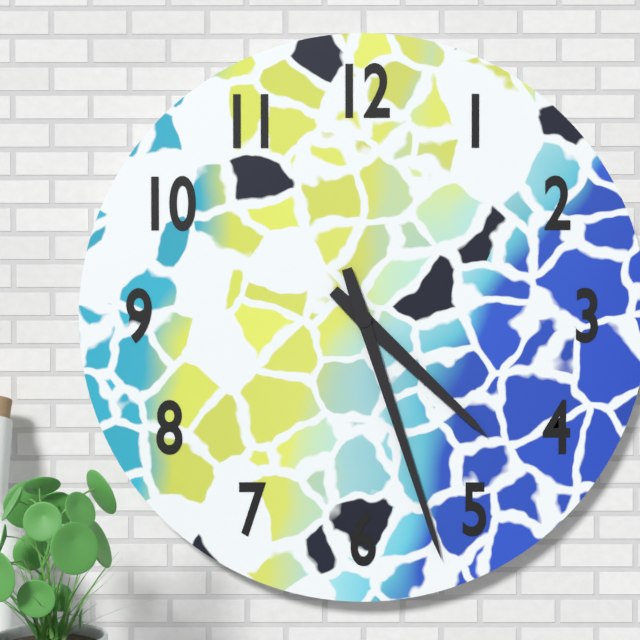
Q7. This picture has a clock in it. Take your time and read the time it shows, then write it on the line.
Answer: 4:27
